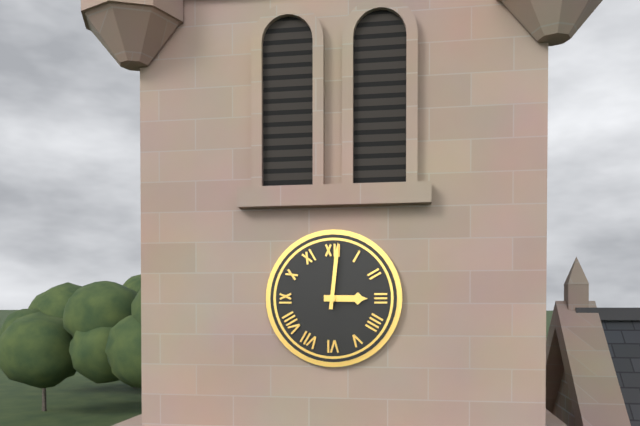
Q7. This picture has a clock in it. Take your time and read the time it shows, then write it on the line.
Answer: 3:01
